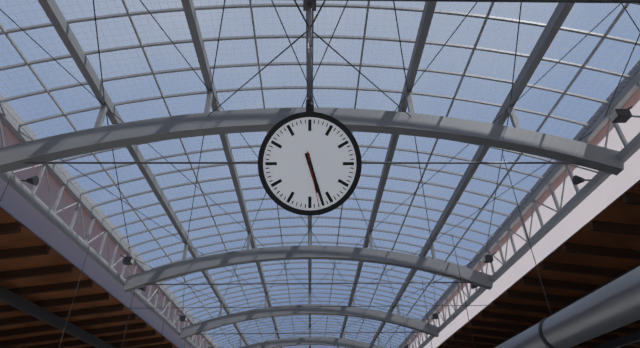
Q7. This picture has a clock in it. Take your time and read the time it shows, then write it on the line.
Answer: 5:27:28
